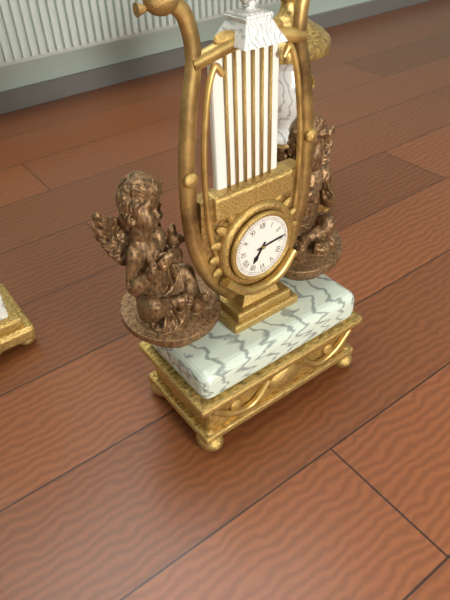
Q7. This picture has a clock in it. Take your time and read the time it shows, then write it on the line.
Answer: 7:14
